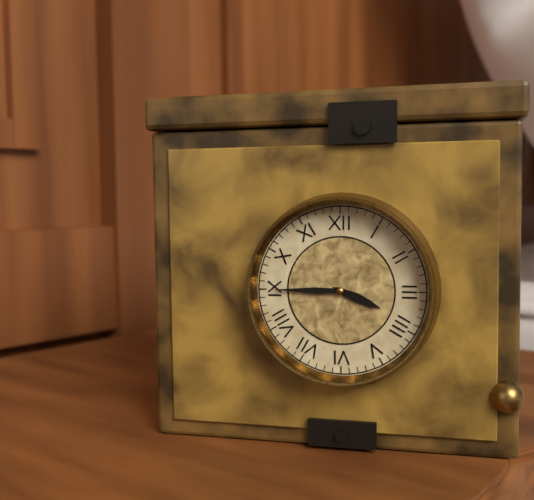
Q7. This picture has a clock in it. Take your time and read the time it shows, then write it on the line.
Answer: 3:45
